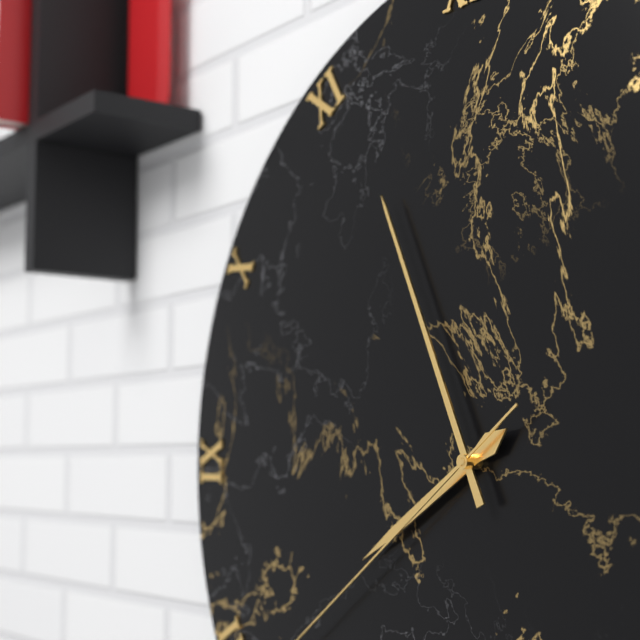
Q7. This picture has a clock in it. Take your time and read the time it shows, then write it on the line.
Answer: 7:56
